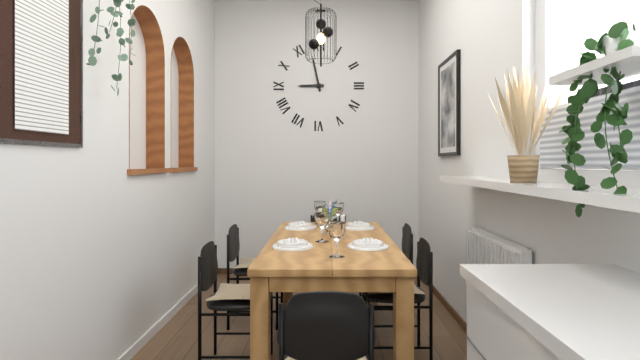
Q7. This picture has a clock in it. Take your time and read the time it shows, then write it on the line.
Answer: 8:58
